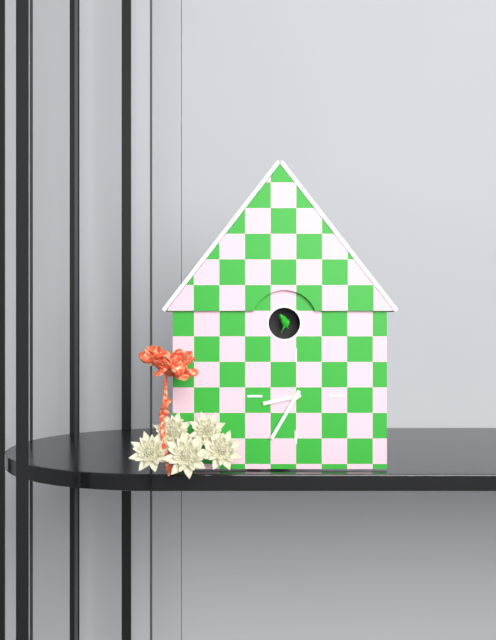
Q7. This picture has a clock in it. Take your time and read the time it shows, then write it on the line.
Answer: 8:35
